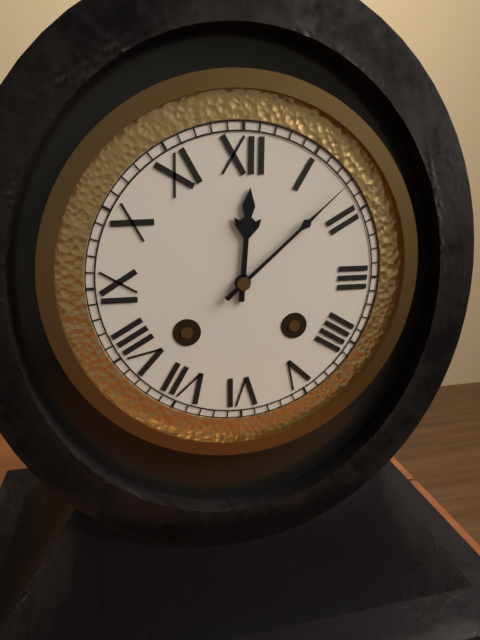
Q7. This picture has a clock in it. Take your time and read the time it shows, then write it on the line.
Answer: 12:08
